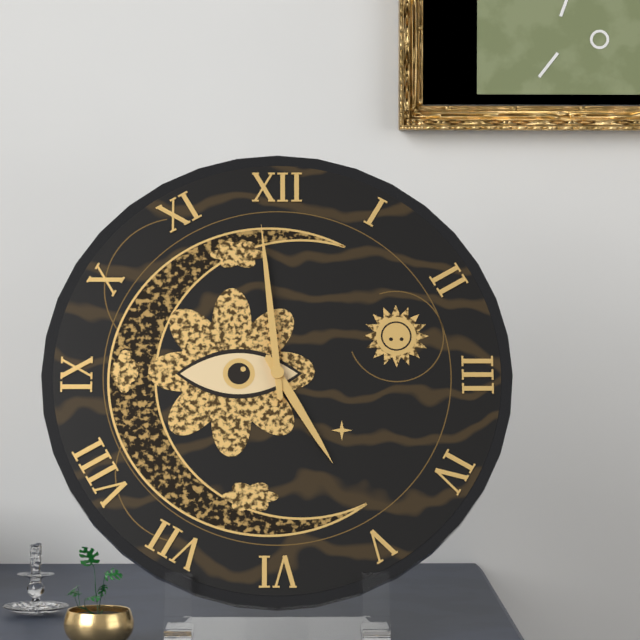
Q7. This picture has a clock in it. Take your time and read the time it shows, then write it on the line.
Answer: 4:59
